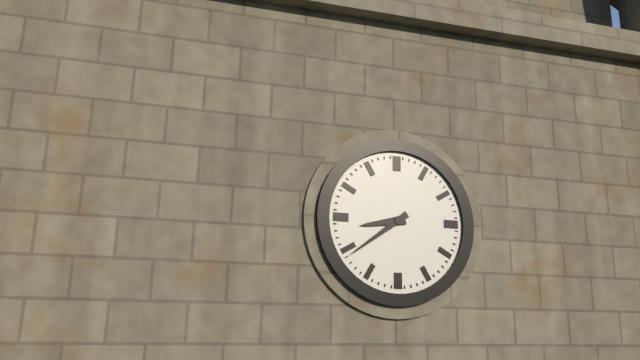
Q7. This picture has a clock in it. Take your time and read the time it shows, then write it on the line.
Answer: 8:39
